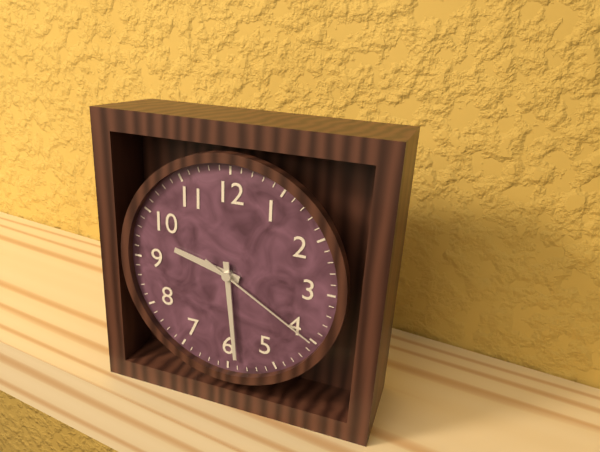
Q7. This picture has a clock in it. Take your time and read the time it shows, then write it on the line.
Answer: 9:29:20
